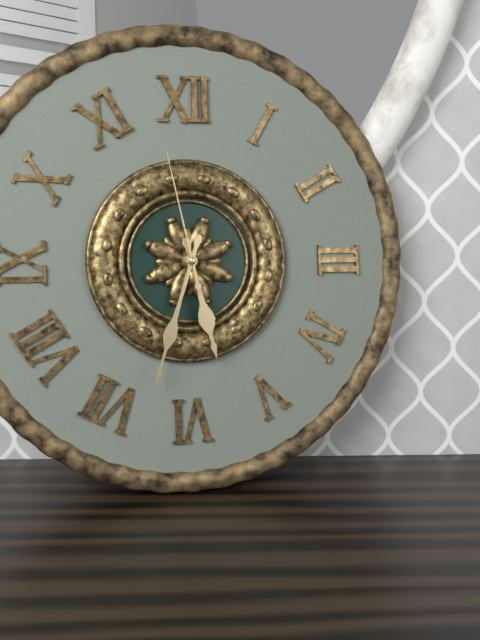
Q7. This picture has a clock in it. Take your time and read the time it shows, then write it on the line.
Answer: 5:33:58
